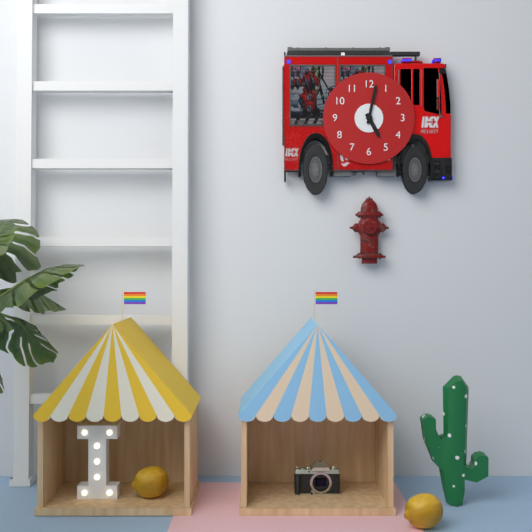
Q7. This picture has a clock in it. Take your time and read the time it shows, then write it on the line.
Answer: 5:02
